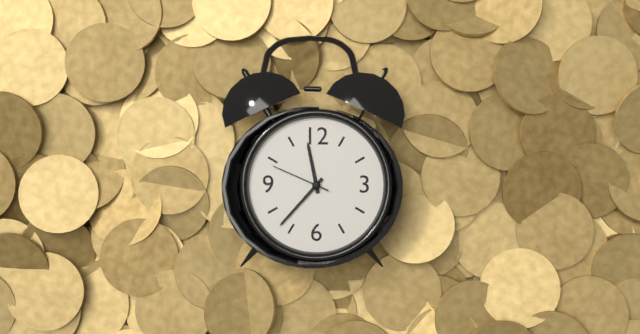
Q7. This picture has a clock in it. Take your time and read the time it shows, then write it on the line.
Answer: 11:37:49
